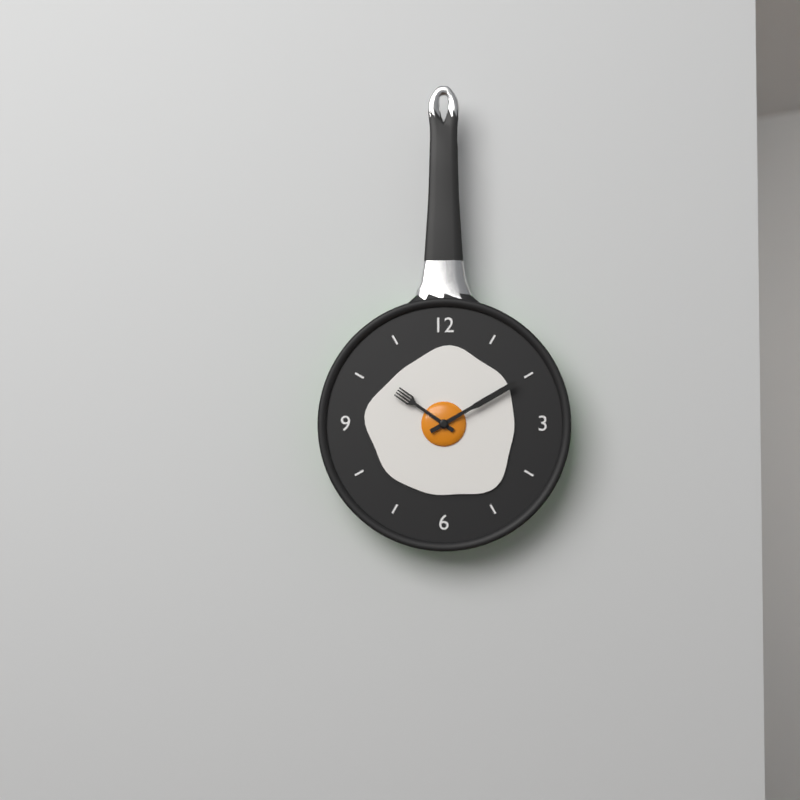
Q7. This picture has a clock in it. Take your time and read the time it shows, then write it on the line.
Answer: 10:10
